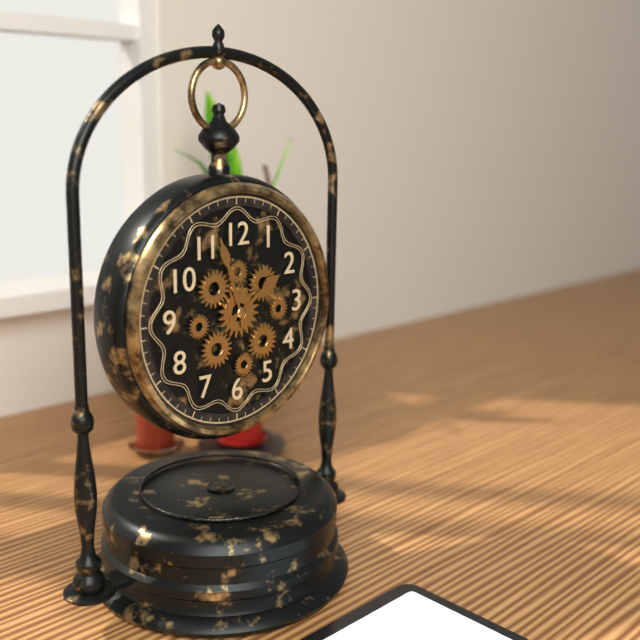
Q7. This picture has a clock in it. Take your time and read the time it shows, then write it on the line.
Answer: 1:57
